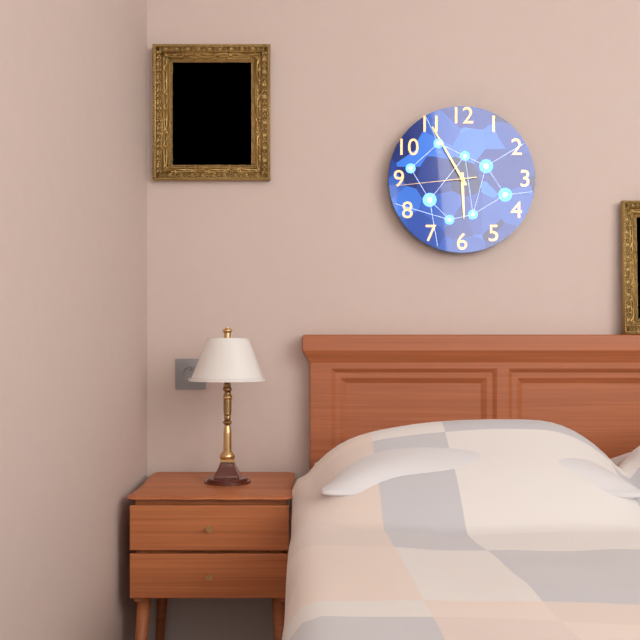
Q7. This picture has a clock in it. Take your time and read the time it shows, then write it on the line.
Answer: 5:55:44
